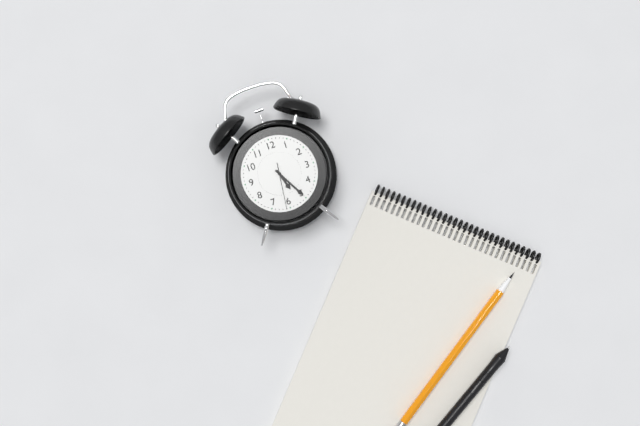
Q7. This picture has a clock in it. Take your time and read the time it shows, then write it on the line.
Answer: 5:25
